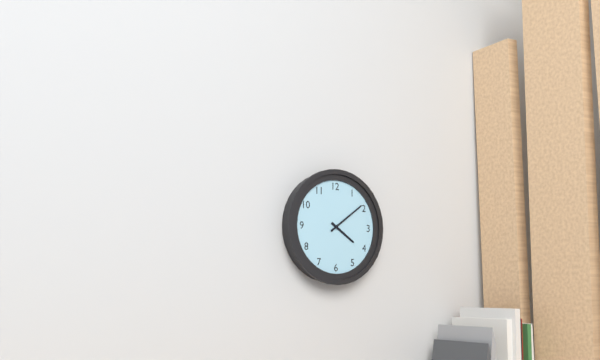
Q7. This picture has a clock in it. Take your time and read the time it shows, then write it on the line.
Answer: 4:09
